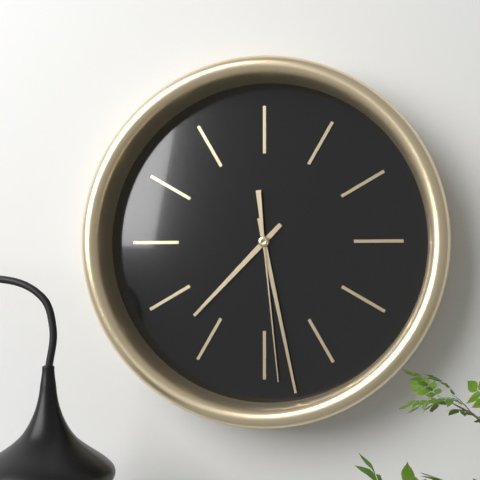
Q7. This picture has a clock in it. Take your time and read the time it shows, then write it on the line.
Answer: 7:28:29
